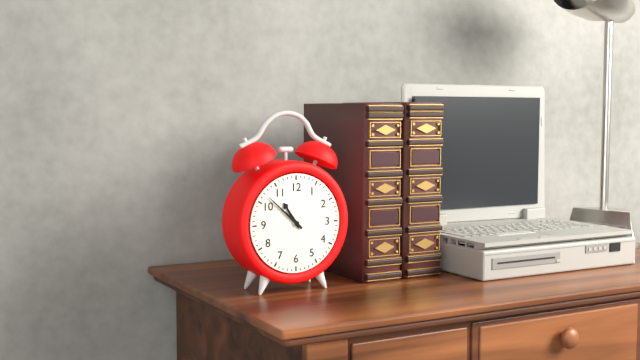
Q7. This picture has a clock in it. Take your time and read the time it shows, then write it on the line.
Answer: 10:52
